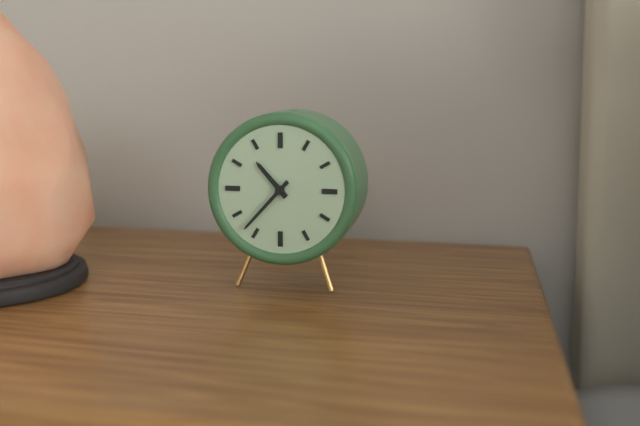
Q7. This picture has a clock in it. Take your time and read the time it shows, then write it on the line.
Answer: 10:37
